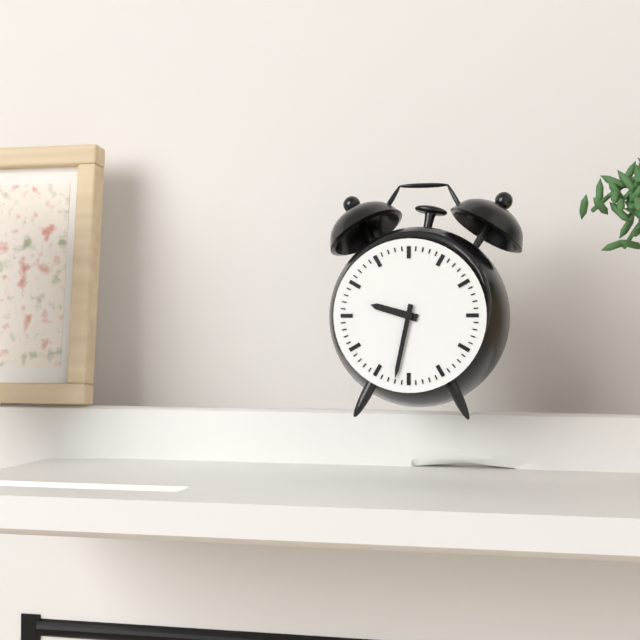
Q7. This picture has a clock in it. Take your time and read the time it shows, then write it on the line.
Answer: 9:32
